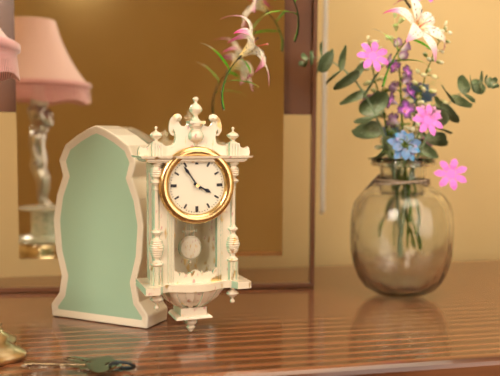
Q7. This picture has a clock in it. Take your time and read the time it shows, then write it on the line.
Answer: 3:54
